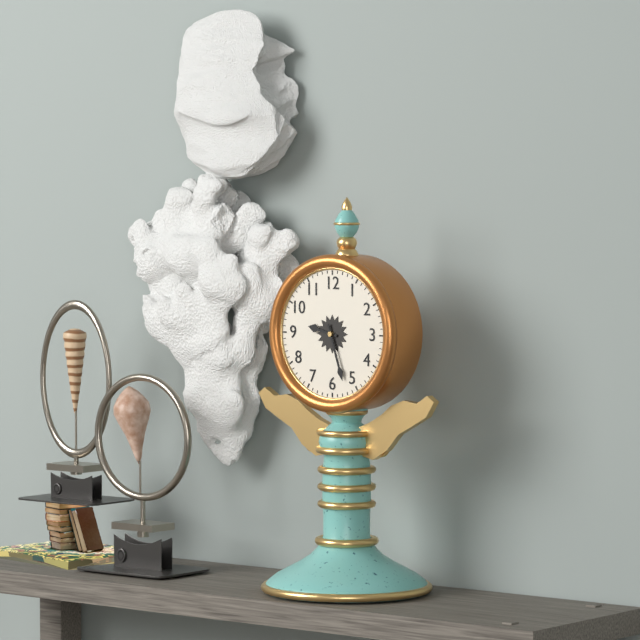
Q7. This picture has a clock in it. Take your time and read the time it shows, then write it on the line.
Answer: 9:27
